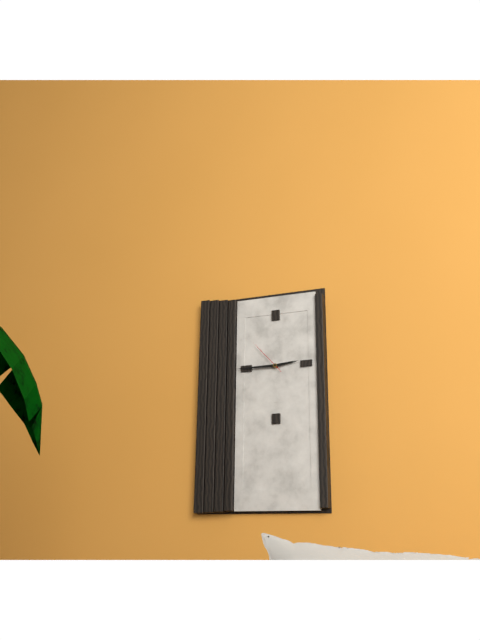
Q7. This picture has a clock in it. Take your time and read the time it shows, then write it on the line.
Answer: 2:45
